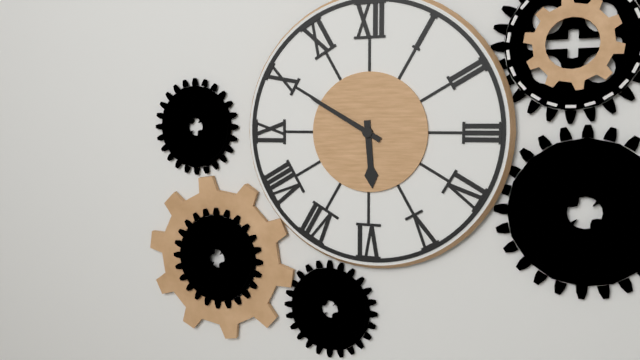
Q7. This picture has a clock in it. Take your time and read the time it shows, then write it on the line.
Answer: 5:50
